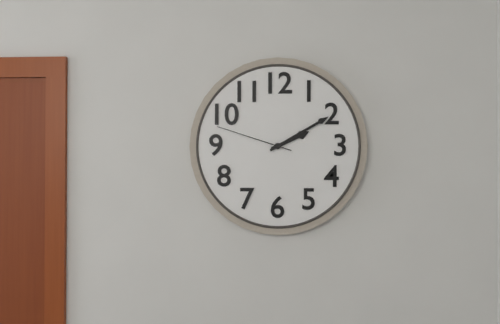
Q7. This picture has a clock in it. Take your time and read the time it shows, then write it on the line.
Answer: 2:10:48
